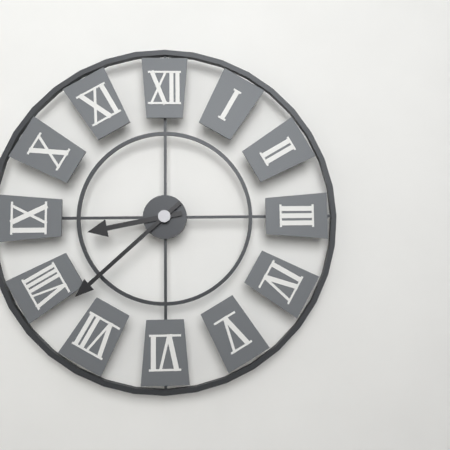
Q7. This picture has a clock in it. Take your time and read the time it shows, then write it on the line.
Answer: 8:38
